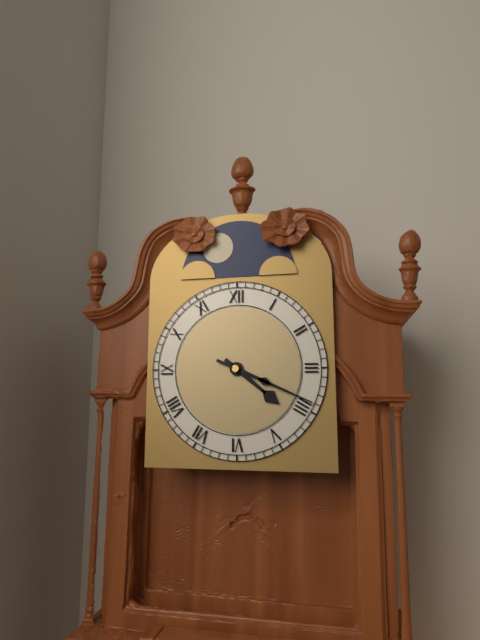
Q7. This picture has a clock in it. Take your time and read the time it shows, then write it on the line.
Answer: 4:19
